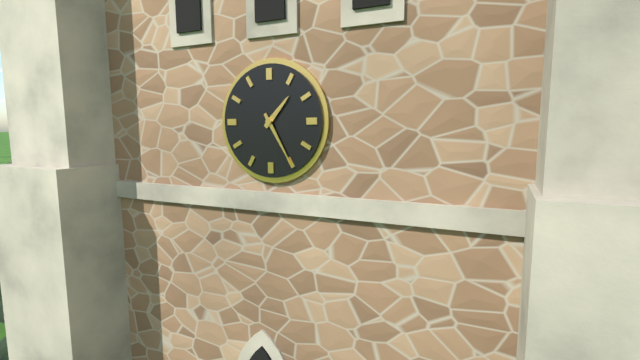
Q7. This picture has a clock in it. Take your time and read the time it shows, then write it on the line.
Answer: 1:25
